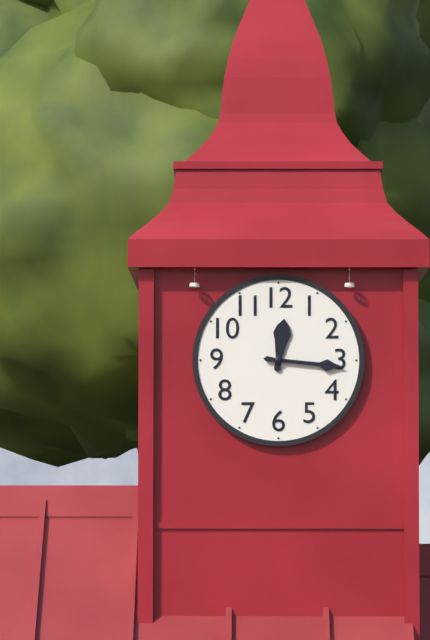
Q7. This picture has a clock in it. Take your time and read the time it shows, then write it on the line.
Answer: 12:16
